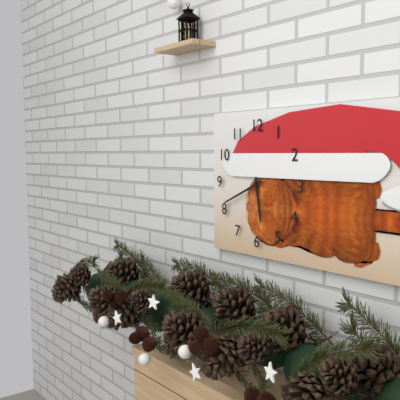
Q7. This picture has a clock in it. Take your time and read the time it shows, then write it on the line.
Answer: 5:41
